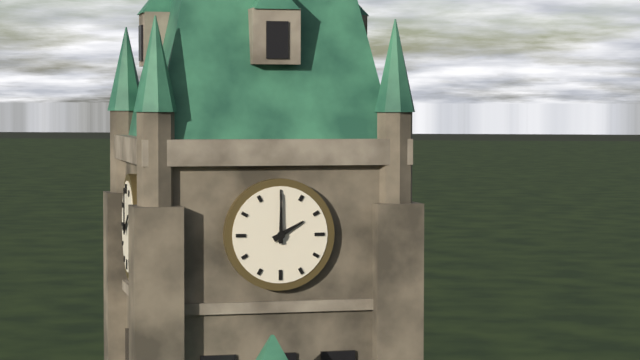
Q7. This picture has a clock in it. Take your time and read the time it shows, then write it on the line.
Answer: 2:00
